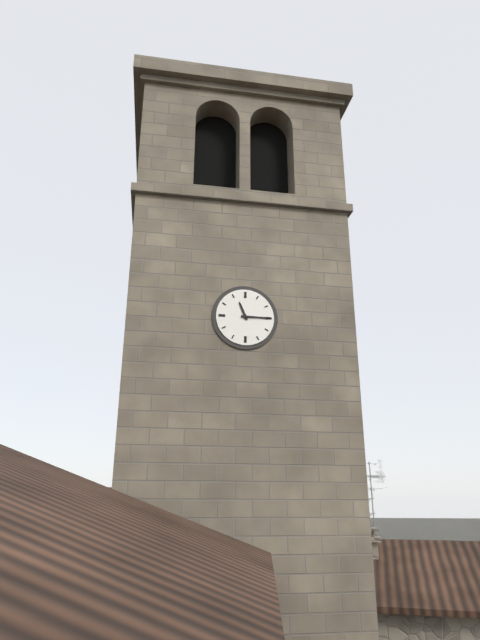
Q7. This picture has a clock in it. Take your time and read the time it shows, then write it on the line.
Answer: 11:15
